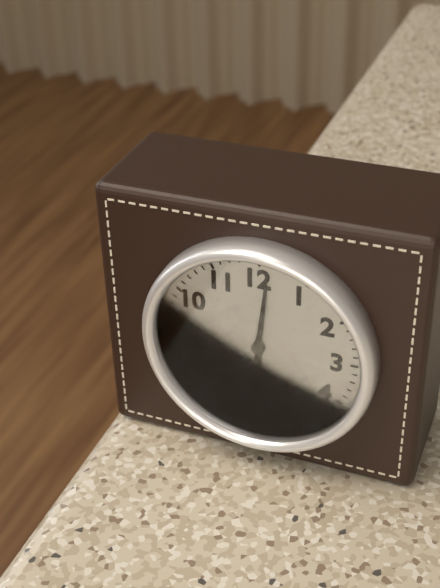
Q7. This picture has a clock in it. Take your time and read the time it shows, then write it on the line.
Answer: 6:01
